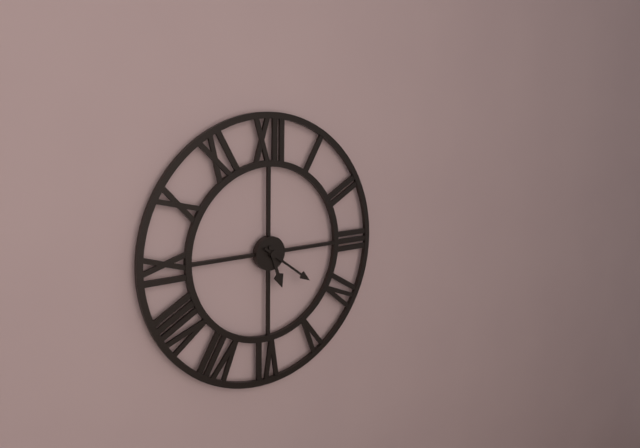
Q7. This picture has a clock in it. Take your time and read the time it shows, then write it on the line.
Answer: 5:21
